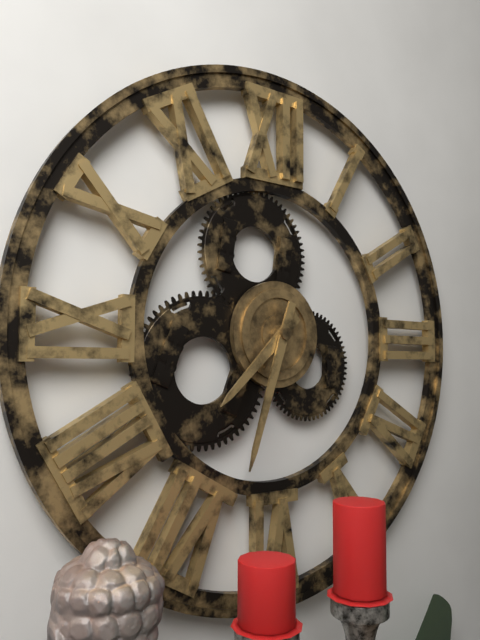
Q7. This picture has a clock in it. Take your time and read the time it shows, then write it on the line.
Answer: 7:33
